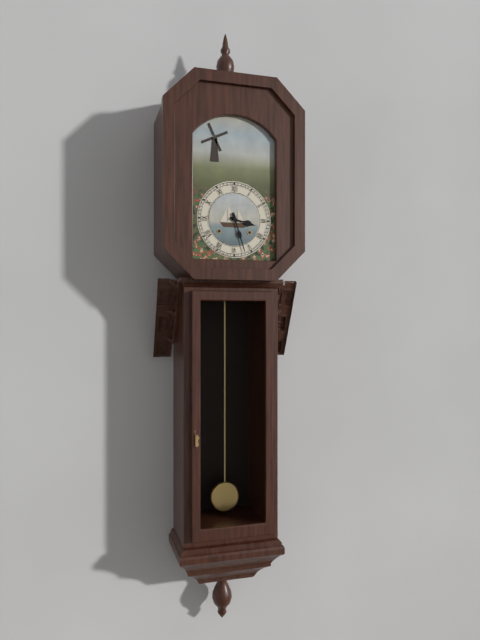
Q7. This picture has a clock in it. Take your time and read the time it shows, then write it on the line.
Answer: 3:27
